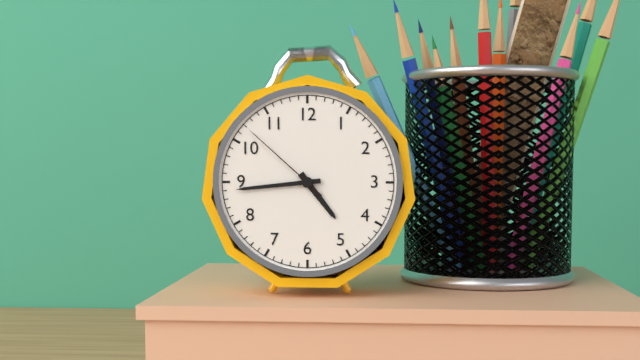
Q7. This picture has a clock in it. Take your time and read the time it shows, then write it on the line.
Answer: 4:44:52
